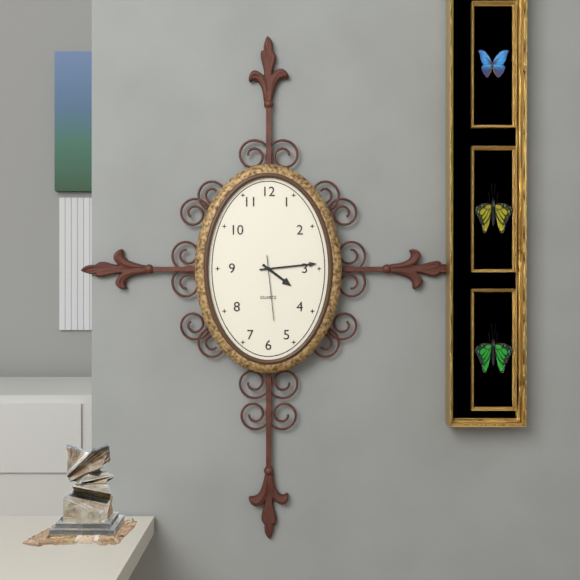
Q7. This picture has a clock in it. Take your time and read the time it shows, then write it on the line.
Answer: 4:14:29
